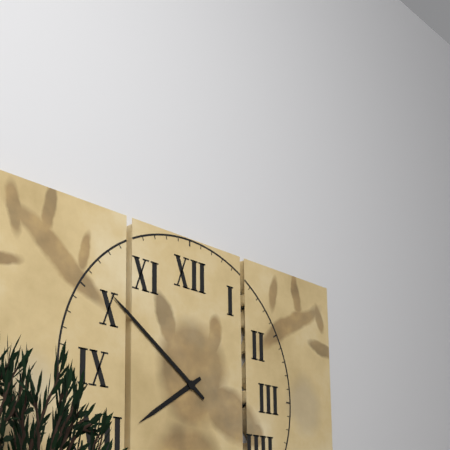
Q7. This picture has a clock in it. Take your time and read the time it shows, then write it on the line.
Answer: 7:51
